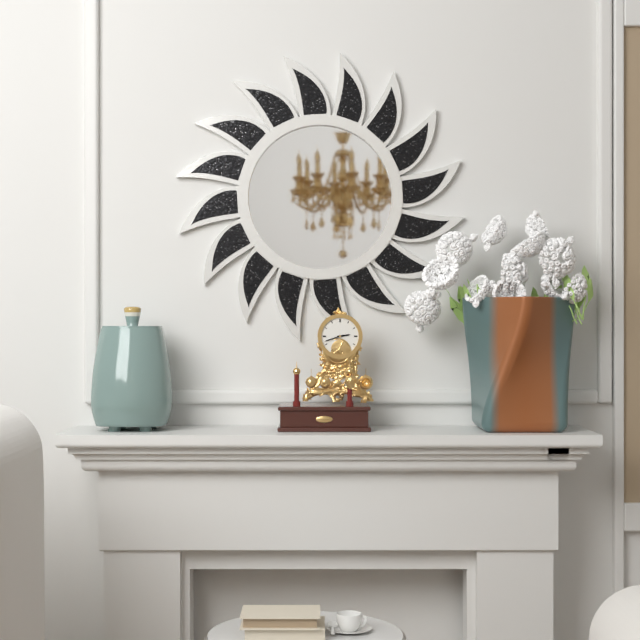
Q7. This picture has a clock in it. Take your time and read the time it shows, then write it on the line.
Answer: 2:42
